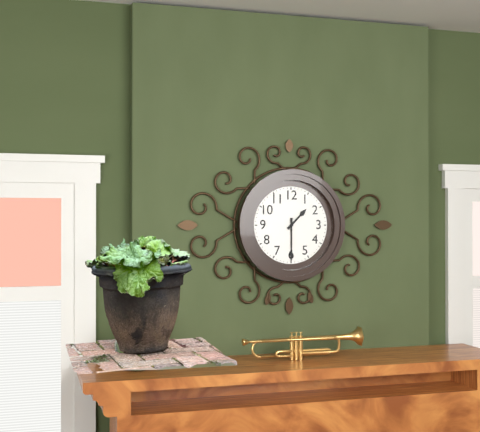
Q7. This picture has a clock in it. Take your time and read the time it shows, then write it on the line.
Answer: 1:30
